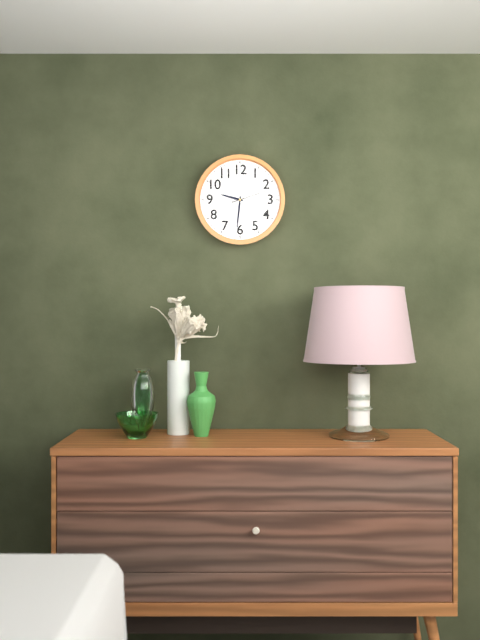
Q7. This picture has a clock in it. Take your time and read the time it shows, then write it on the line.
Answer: 9:31
